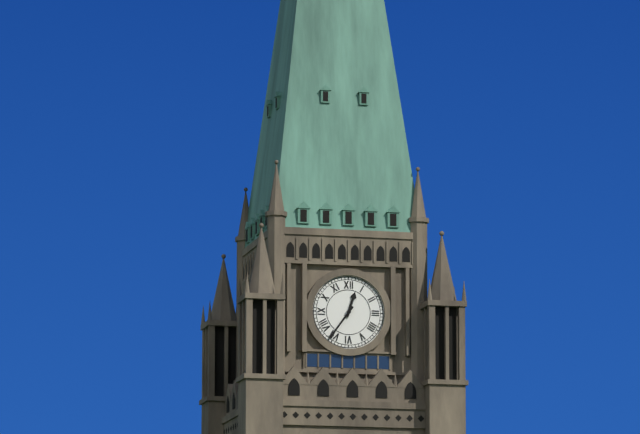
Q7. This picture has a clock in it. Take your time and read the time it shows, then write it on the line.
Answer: 12:36
